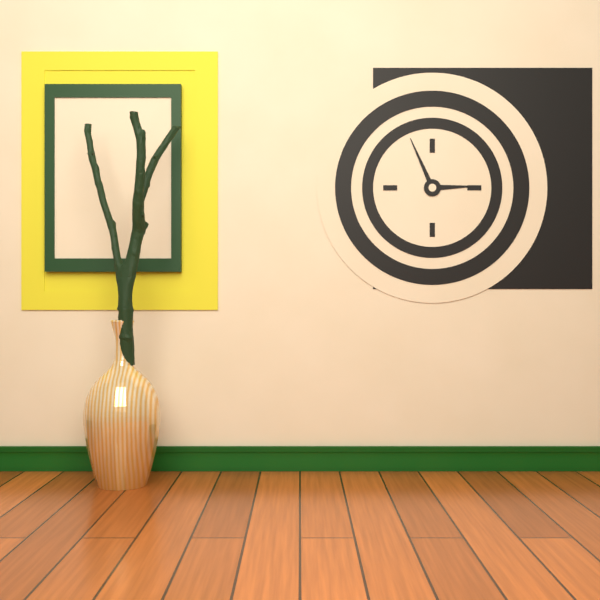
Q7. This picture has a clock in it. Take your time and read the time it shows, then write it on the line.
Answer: 2:56
